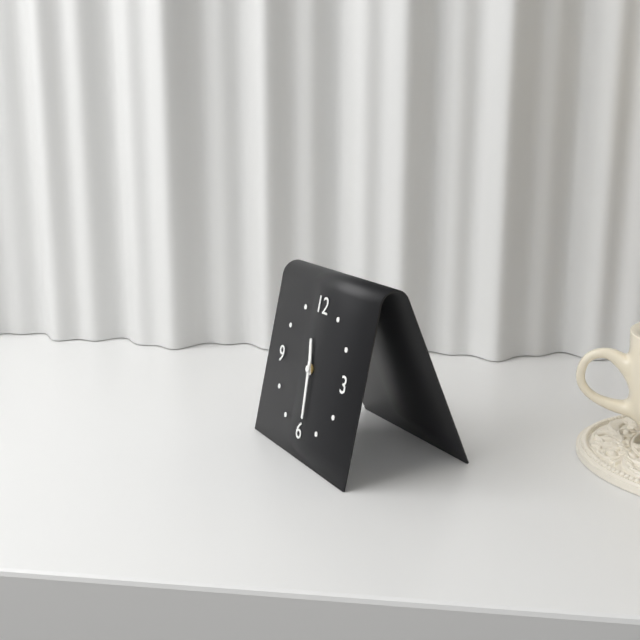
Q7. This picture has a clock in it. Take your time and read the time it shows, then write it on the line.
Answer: 11:29
